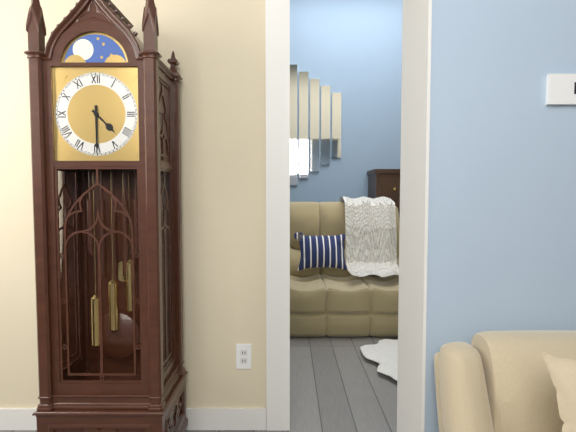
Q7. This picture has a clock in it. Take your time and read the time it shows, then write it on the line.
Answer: 4:30
